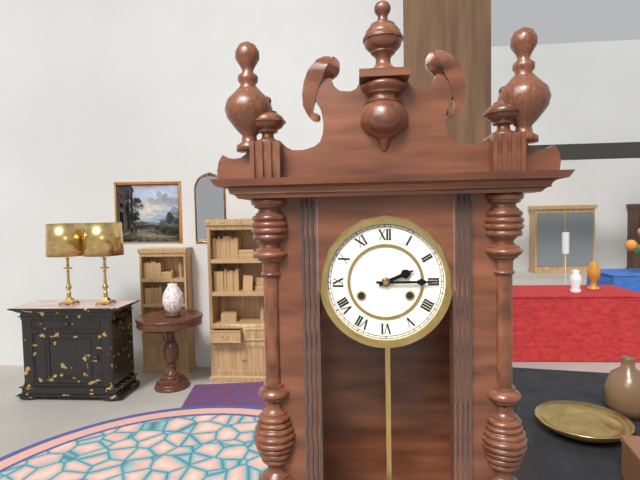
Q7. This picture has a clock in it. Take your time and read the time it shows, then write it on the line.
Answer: 2:15
